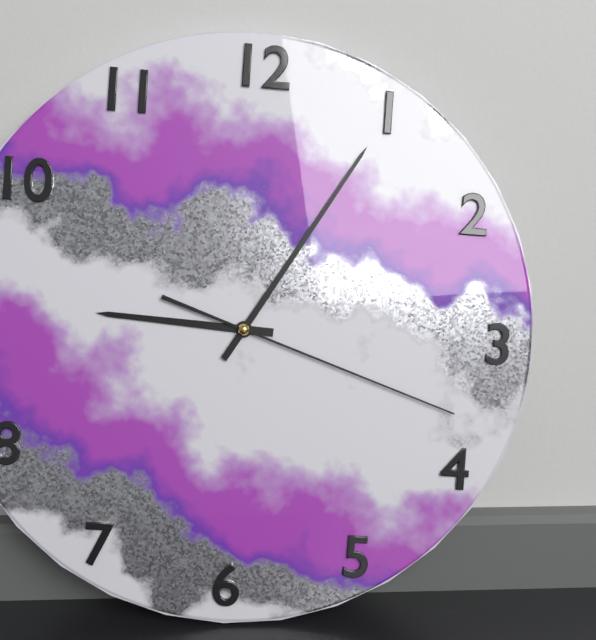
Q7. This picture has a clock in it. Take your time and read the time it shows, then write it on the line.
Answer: 9:05:18
